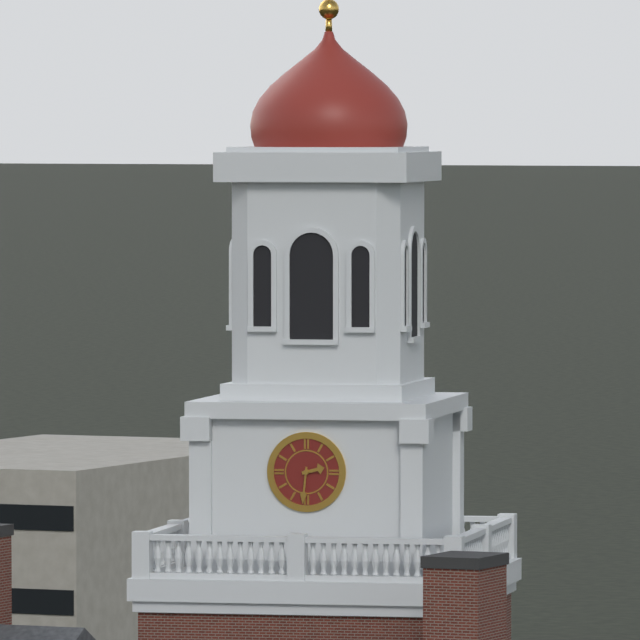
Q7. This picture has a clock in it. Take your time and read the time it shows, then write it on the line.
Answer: 2:31
